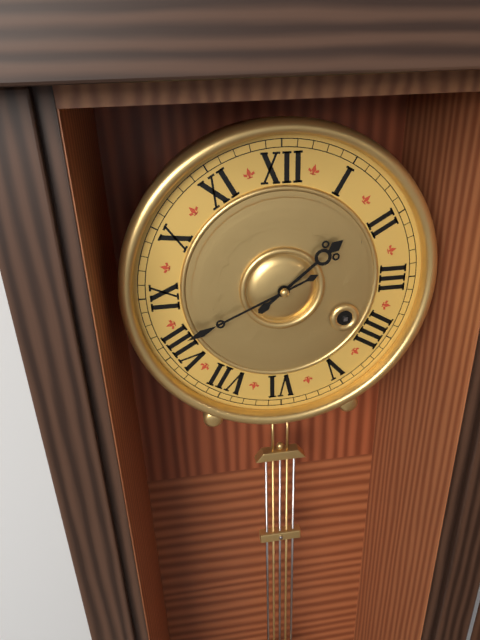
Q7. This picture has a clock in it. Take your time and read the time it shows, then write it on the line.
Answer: 1:41
